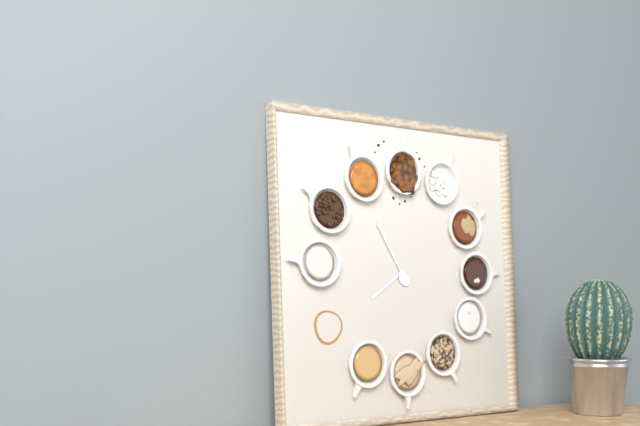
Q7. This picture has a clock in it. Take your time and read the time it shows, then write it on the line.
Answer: 7:55
